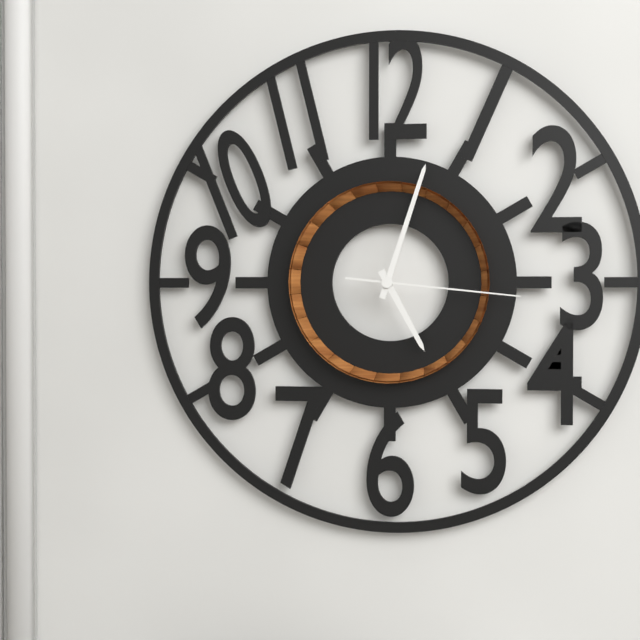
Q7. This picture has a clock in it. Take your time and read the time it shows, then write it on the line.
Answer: 5:03:16
